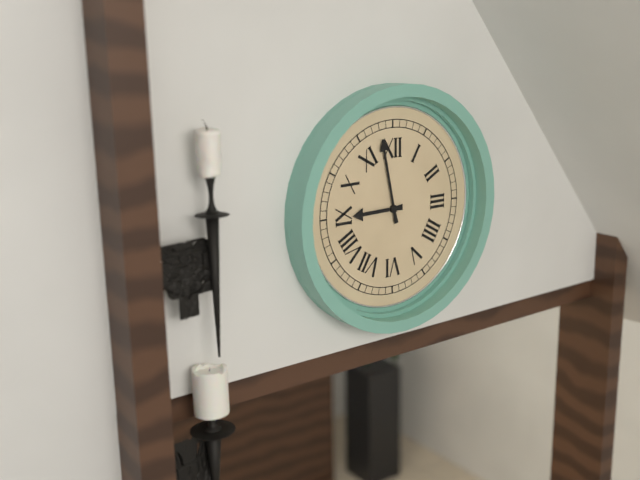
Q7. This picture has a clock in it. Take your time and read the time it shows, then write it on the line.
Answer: 8:58
